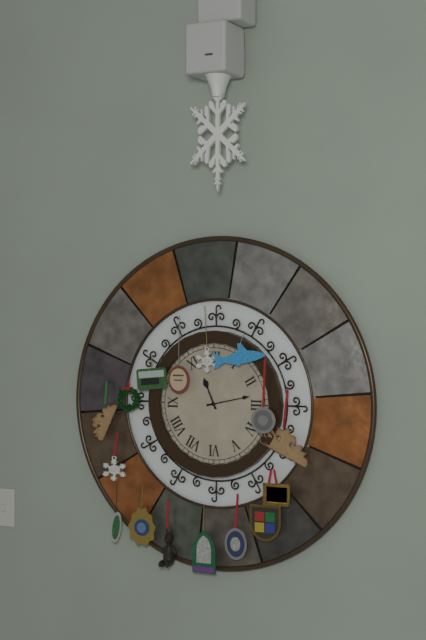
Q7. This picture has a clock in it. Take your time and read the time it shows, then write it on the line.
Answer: 11:13
